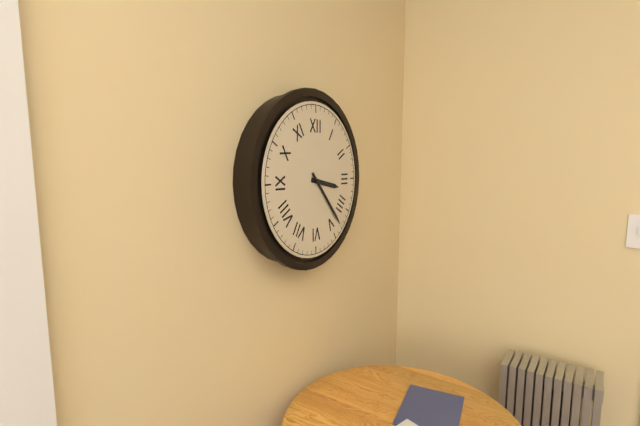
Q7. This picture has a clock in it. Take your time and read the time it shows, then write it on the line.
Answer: 3:23
